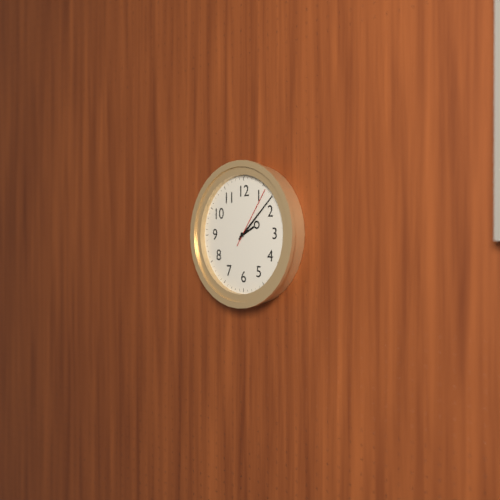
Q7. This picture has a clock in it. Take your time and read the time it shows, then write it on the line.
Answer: 2:08:06
